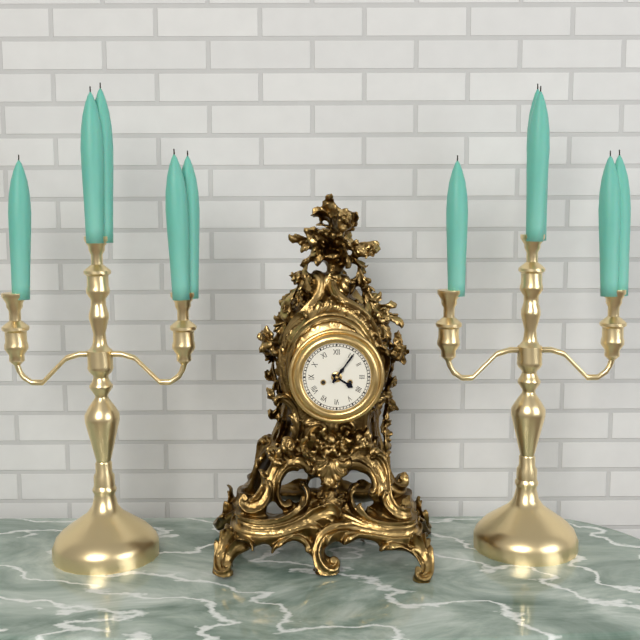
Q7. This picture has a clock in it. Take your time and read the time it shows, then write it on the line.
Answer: 4:06
